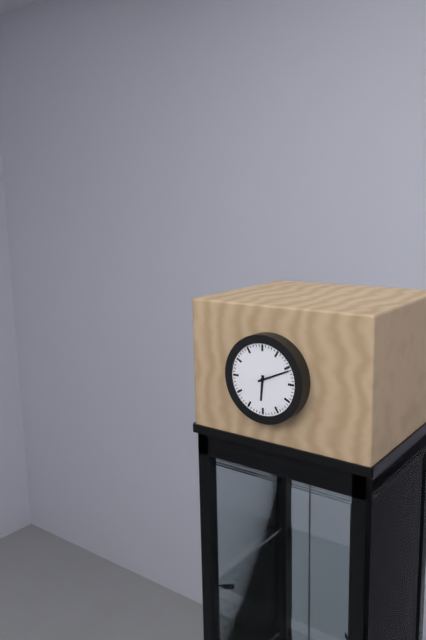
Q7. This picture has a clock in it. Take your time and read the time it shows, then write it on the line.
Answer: 6:11
